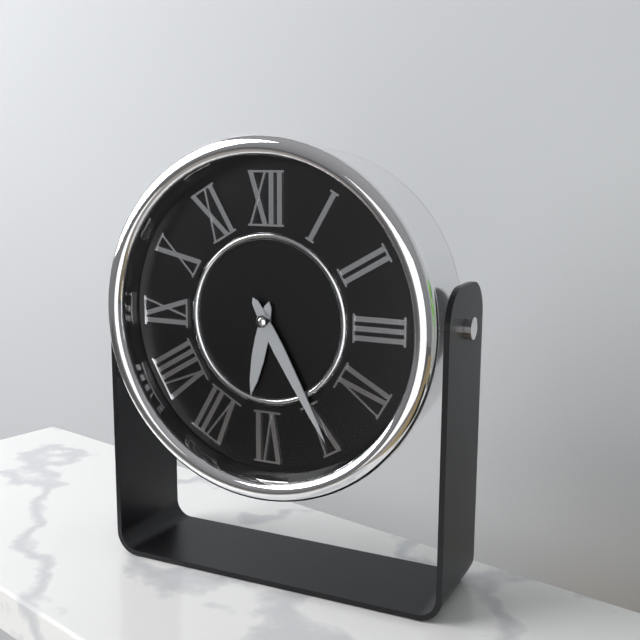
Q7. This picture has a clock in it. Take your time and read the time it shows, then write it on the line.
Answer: 6:25
